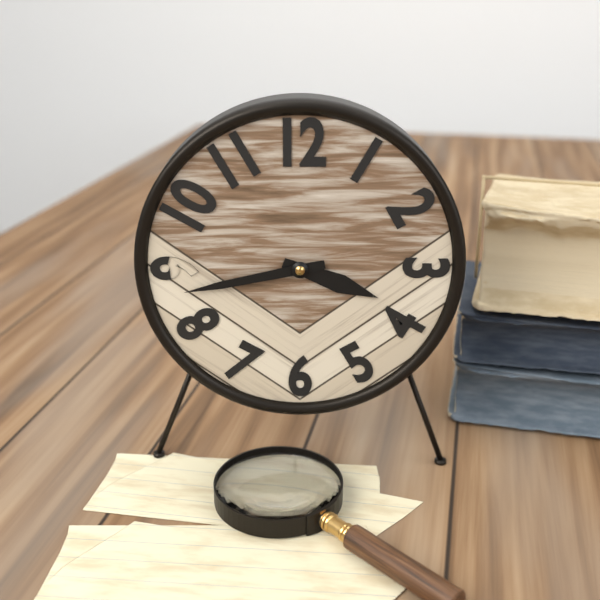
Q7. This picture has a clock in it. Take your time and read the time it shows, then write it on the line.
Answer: 3:43
